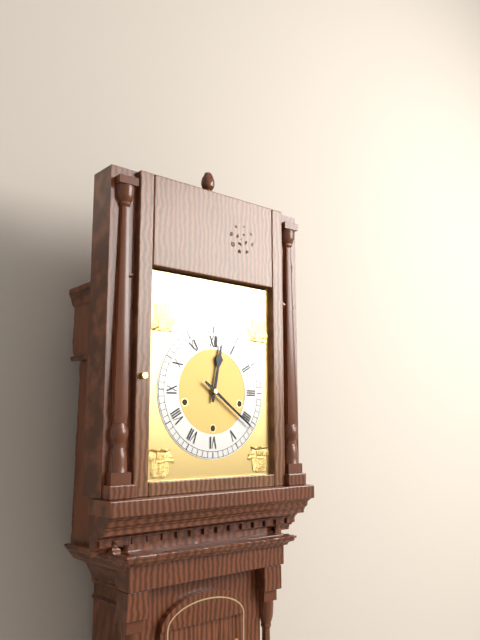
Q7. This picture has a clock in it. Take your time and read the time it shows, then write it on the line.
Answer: 12:21
